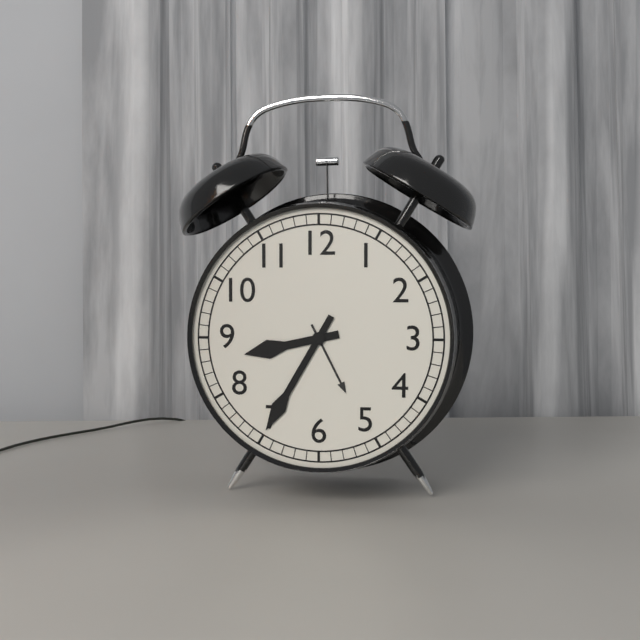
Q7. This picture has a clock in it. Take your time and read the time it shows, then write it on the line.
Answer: 8:35
